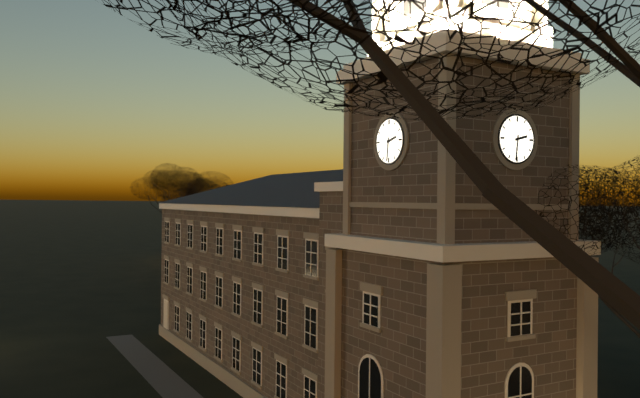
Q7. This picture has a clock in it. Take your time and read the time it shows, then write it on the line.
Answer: 2:31
